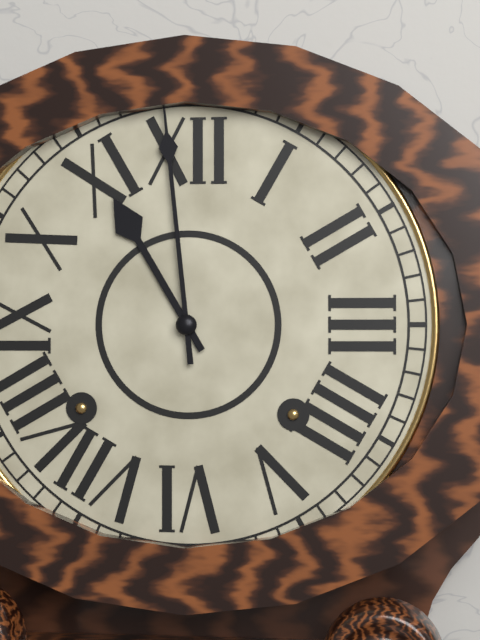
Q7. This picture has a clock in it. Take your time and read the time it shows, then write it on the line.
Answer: 10:59
